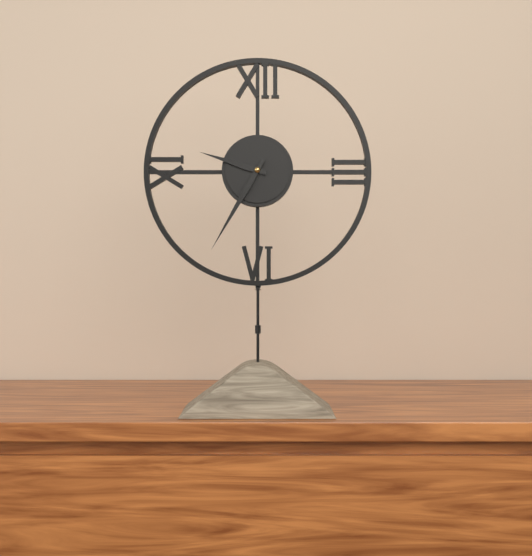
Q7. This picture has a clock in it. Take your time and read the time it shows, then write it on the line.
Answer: 9:35
